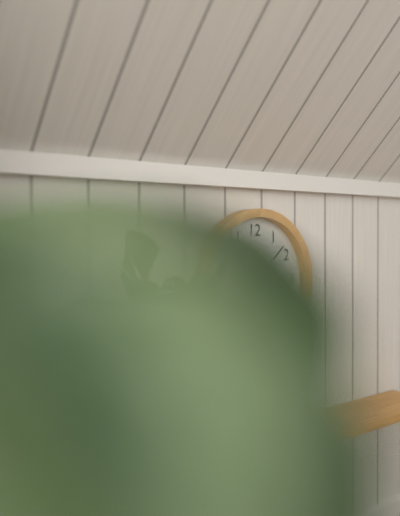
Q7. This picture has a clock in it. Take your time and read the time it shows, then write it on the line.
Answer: 4:08
